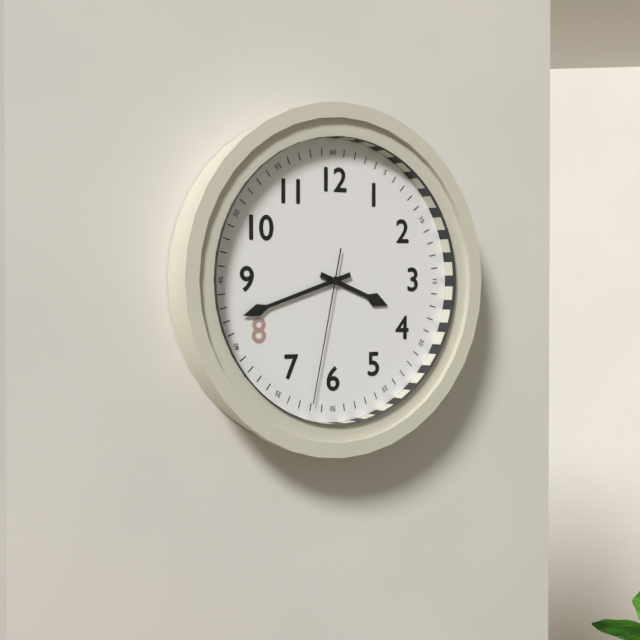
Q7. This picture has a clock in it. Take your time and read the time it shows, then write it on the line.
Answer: 3:42:32
